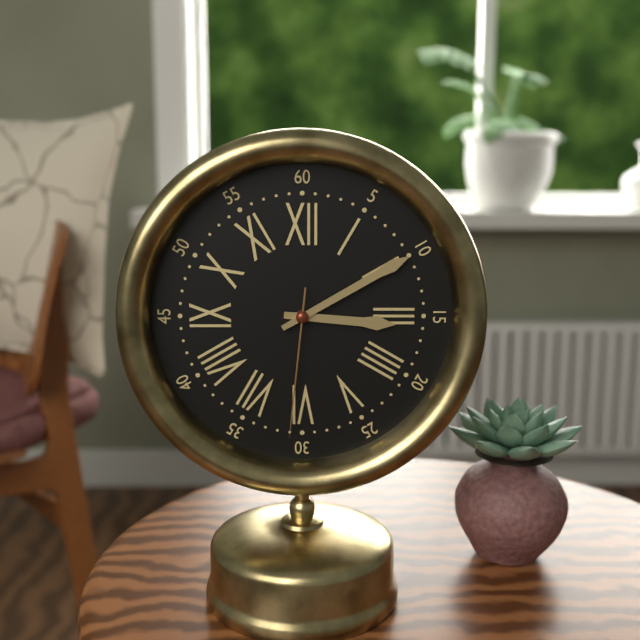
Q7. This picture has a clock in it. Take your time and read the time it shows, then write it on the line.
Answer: 3:10:31
